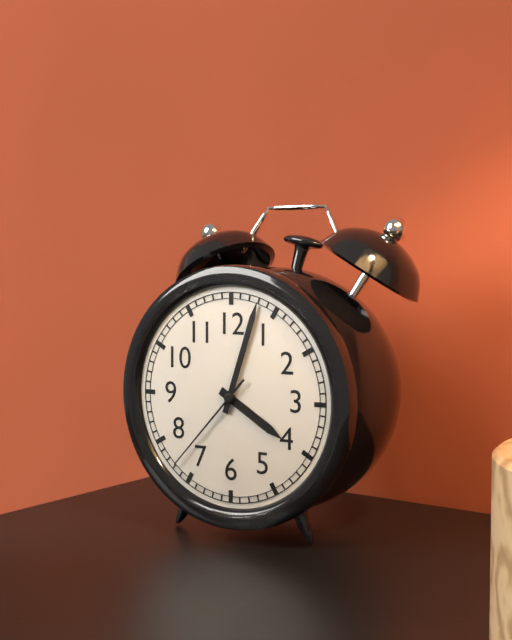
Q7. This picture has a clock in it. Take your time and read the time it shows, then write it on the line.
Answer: 4:03:37
